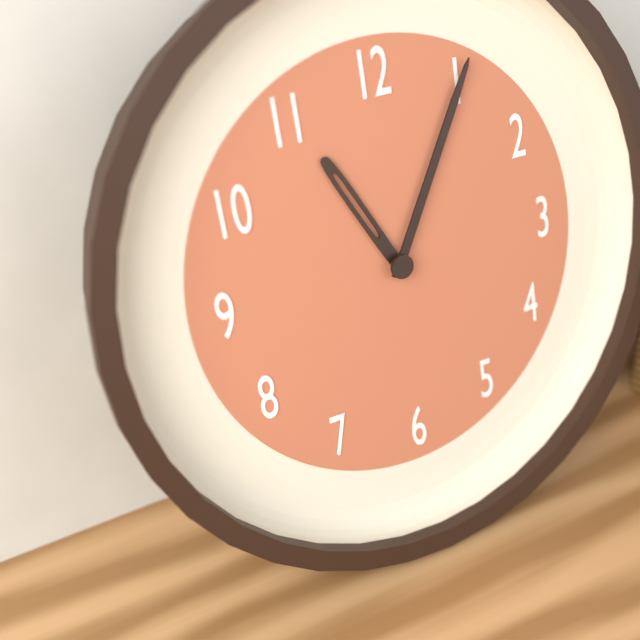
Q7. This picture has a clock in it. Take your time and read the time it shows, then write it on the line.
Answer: 11:05
